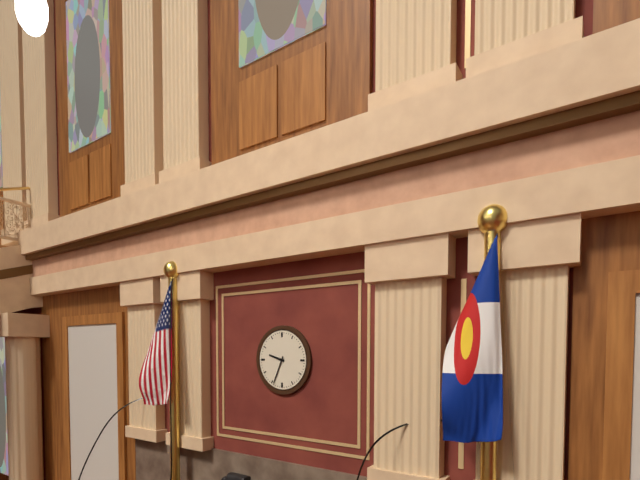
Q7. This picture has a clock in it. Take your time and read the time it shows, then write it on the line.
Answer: 9:34
